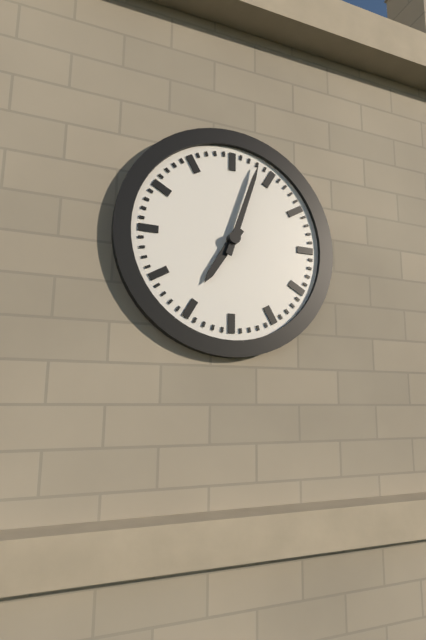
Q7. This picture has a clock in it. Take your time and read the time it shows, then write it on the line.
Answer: 7:03
